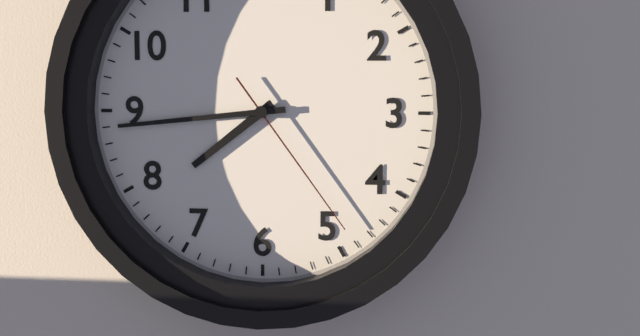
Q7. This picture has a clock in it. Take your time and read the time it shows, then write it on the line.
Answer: 7:44:24
